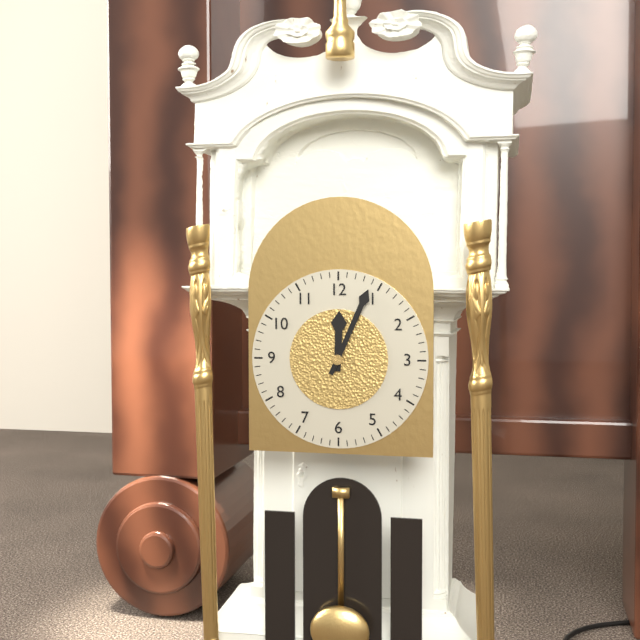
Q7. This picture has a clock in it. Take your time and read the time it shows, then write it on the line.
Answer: 12:04
